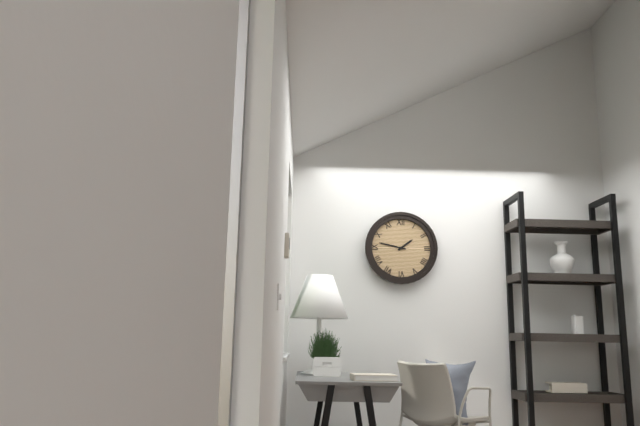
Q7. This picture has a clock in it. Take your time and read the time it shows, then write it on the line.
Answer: 1:47
